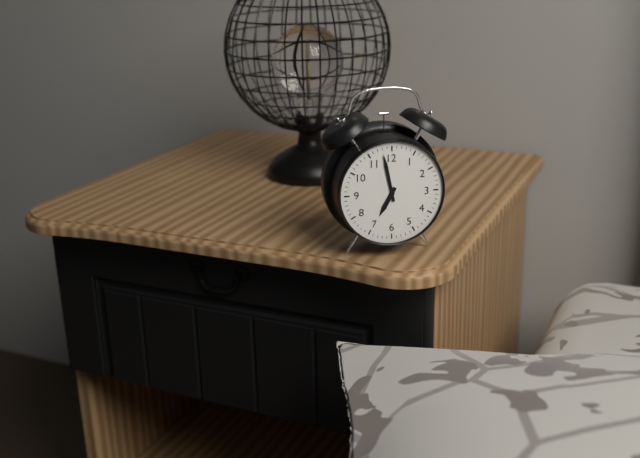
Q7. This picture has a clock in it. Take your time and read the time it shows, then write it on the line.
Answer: 6:58
